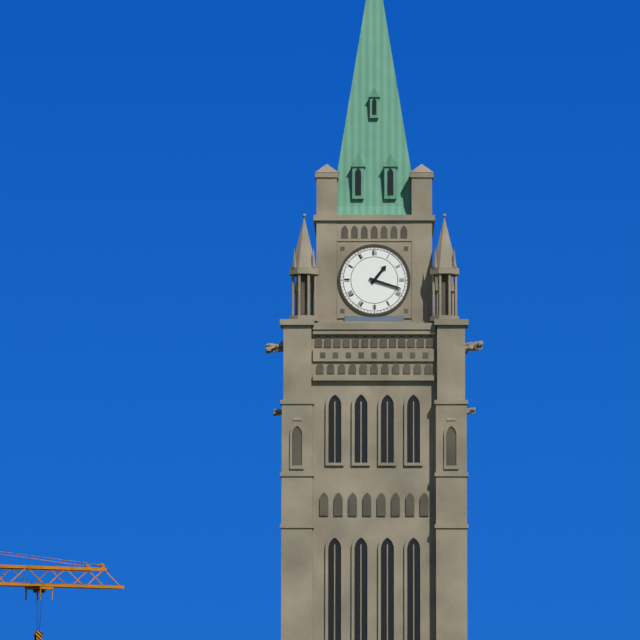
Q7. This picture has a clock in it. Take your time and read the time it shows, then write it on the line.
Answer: 1:18
